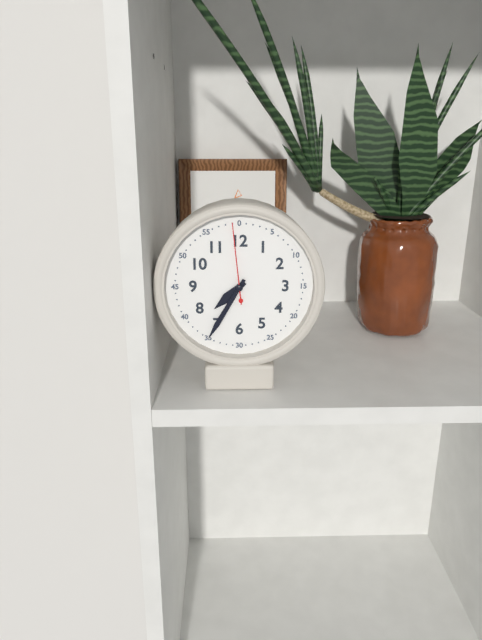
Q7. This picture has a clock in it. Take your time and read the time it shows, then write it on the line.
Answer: 7:35:59
